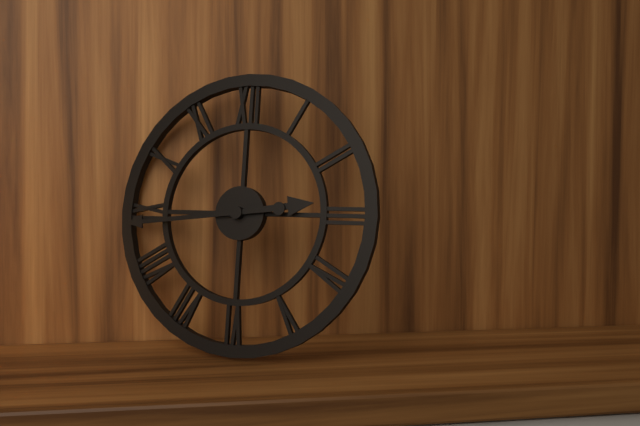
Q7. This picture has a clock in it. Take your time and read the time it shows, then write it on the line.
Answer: 2:44
